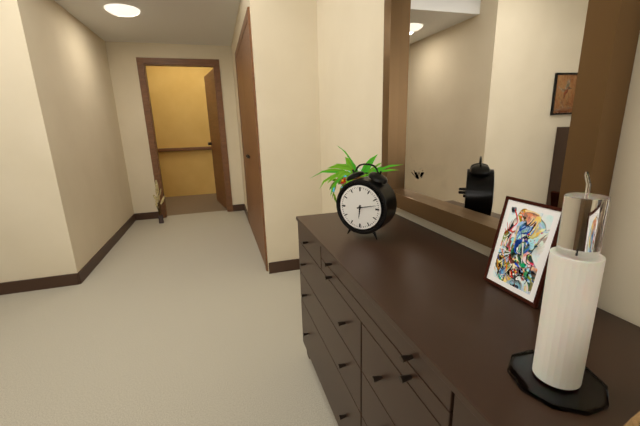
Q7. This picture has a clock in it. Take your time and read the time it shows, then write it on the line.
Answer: 6:13
